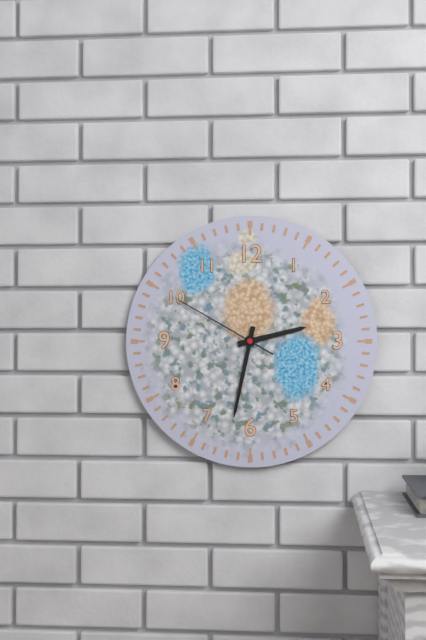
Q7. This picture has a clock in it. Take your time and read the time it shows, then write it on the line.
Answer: 2:32:50
